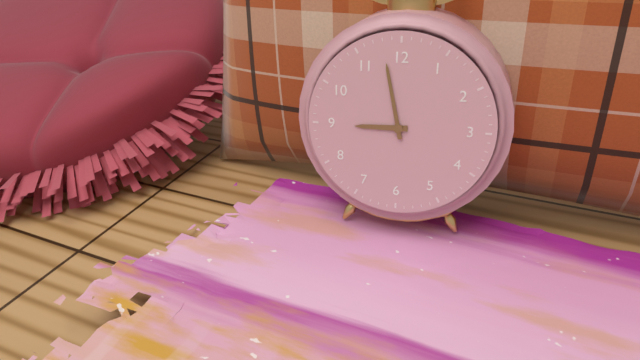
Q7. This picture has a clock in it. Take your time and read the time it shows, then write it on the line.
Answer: 8:58
